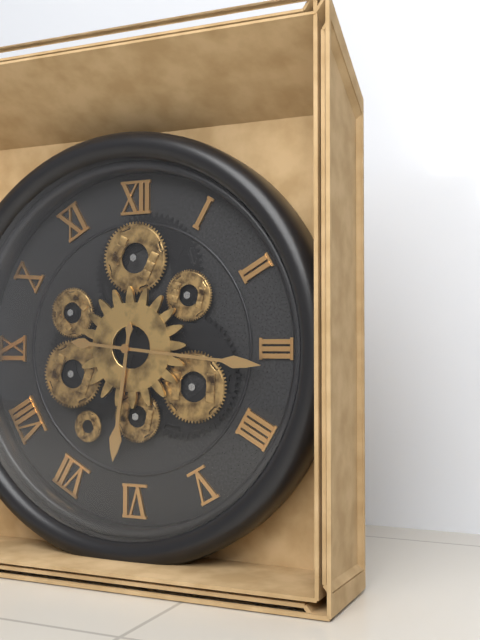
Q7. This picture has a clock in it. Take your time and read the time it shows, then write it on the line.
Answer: 6:16
